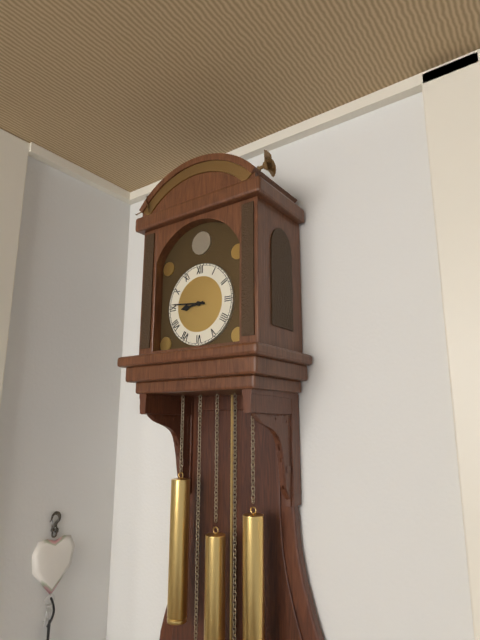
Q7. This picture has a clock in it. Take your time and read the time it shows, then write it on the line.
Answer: 8:46
